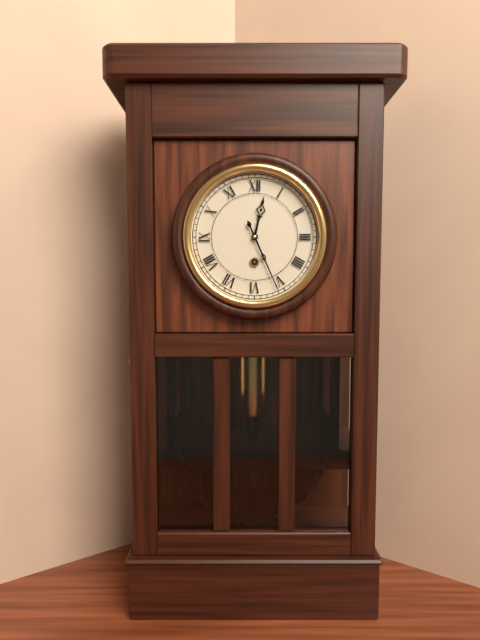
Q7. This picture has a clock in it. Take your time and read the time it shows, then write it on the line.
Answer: 12:26
